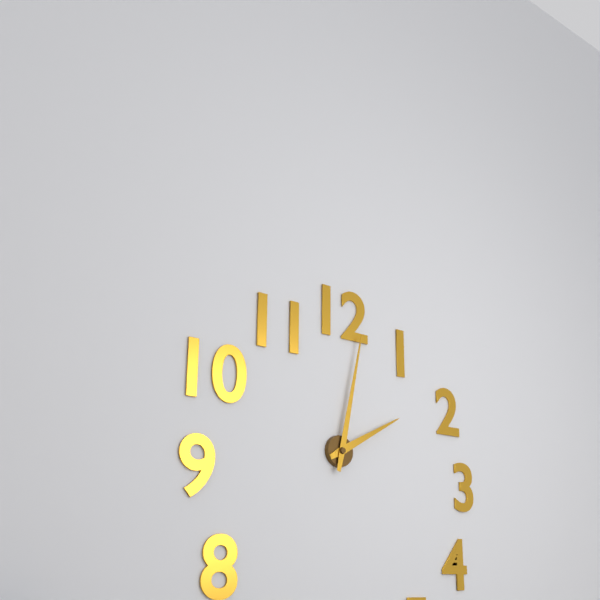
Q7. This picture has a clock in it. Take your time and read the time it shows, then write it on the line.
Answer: 2:02
